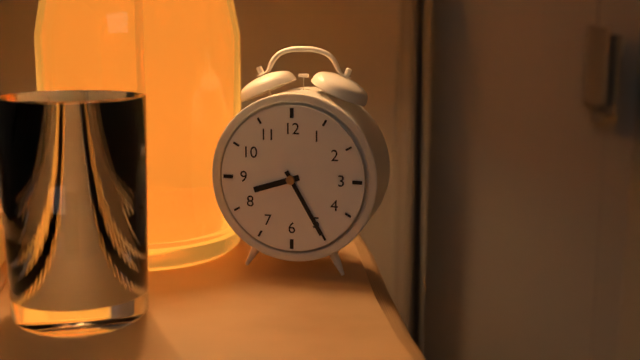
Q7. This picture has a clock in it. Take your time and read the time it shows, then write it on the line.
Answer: 8:25
